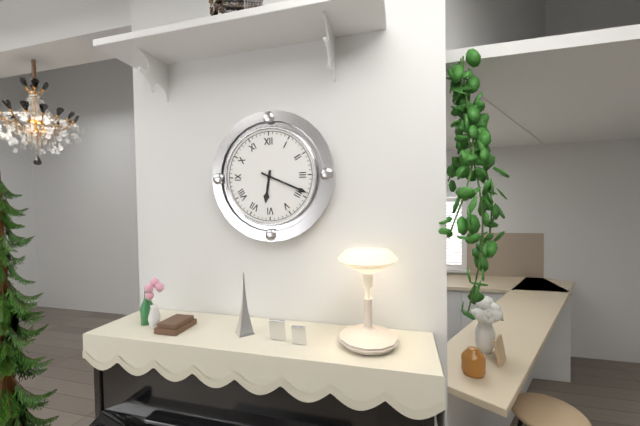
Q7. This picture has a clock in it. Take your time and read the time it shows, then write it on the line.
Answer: 6:19
